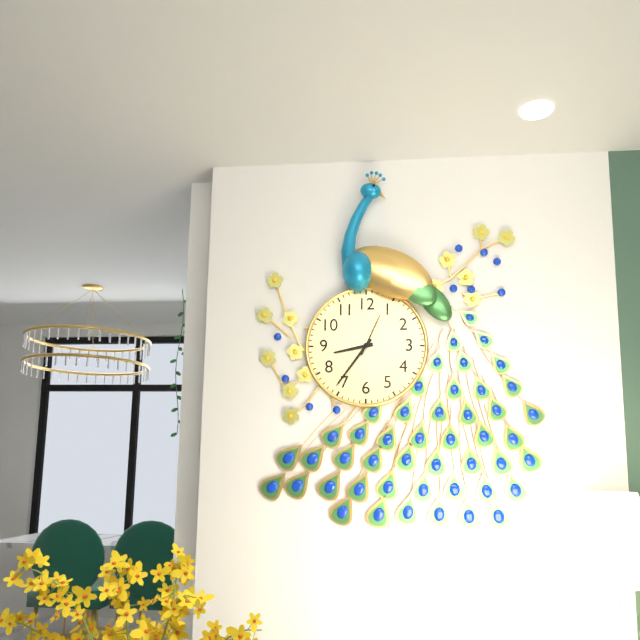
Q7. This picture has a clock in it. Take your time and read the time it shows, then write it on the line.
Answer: 8:36
